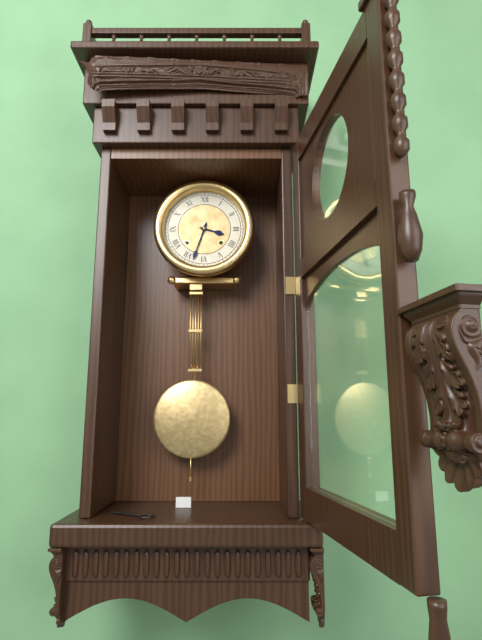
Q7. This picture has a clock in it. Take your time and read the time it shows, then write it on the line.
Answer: 3:33
